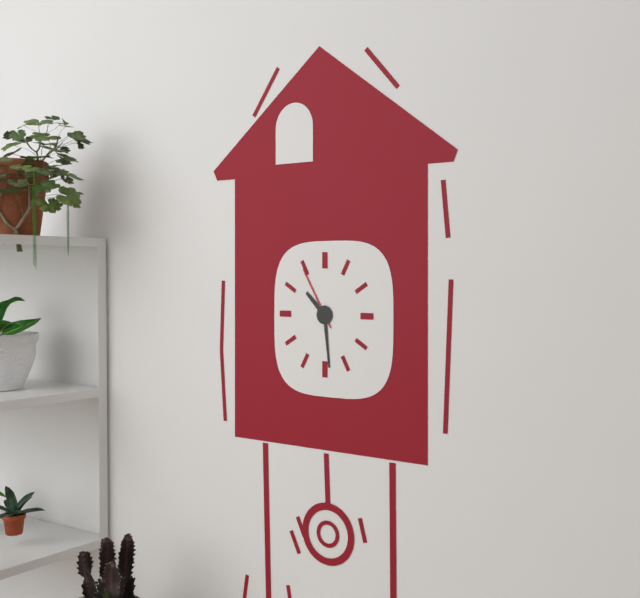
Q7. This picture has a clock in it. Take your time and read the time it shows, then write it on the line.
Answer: 10:29:55
